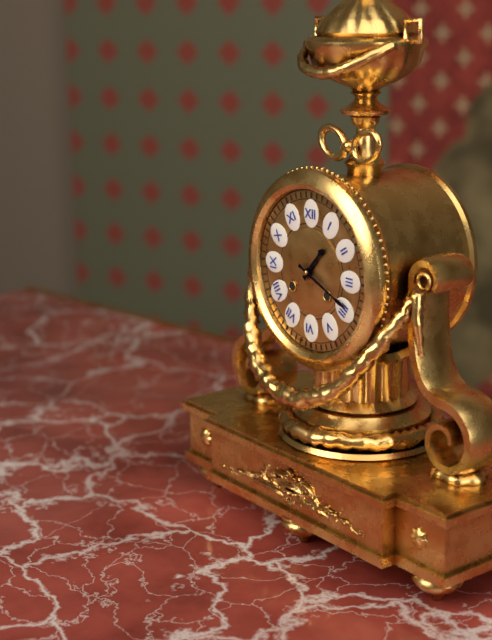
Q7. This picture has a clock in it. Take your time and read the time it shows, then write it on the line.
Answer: 1:19
